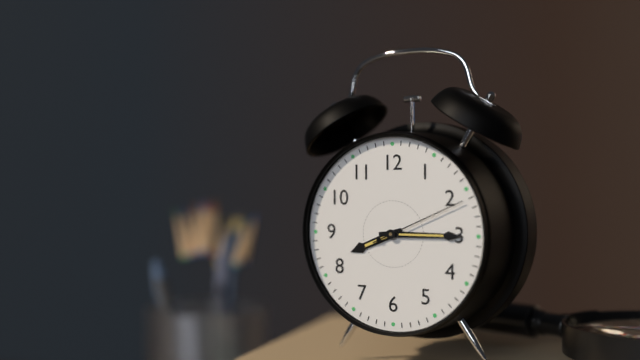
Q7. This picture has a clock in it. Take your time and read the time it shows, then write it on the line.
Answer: 8:15:11
